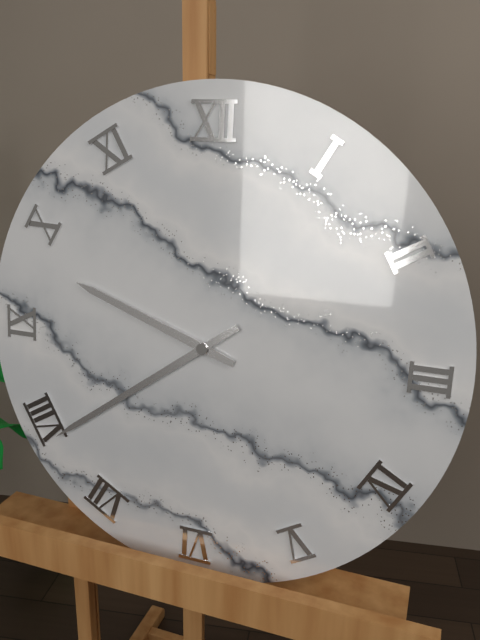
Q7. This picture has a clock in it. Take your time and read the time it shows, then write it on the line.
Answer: 9:39
